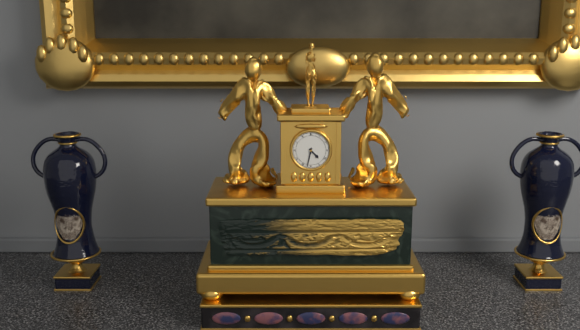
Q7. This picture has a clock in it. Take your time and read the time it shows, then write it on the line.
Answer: 4:32
